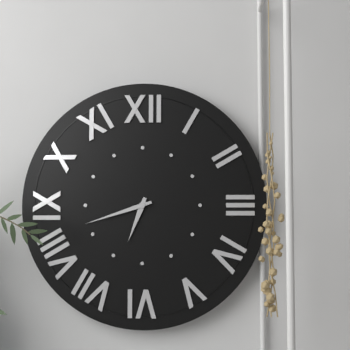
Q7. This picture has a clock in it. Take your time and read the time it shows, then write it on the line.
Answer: 6:42
